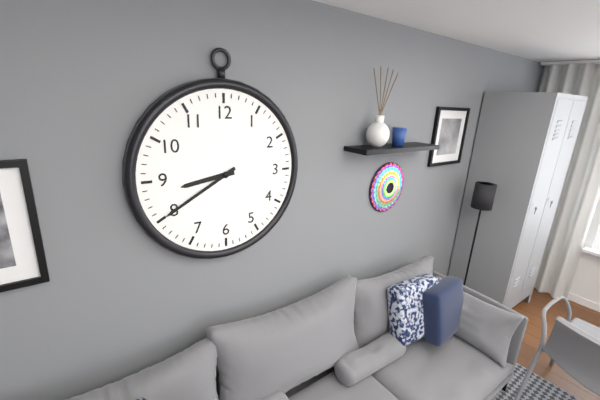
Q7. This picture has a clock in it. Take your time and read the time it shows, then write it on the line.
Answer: 8:40
